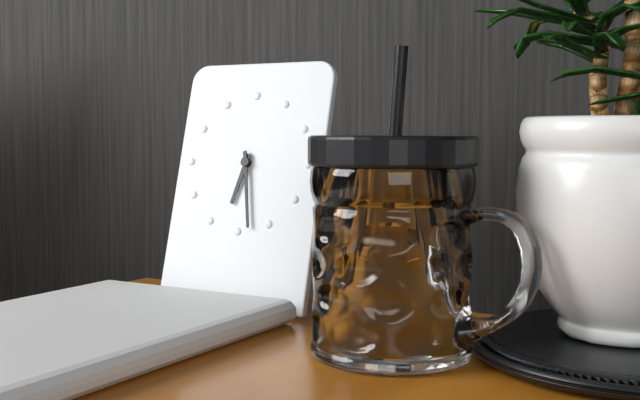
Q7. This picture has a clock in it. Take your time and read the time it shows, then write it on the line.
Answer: 6:28
